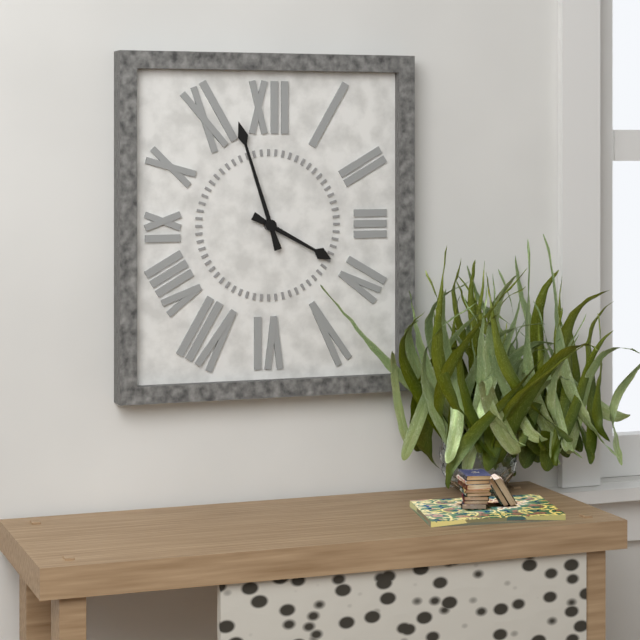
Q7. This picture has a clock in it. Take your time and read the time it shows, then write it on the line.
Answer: 3:57
